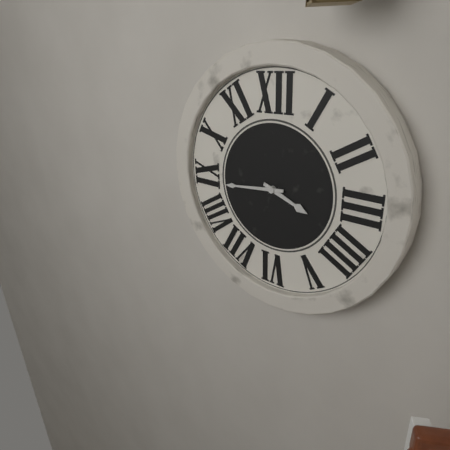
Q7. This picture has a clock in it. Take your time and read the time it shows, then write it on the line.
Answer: 3:44
